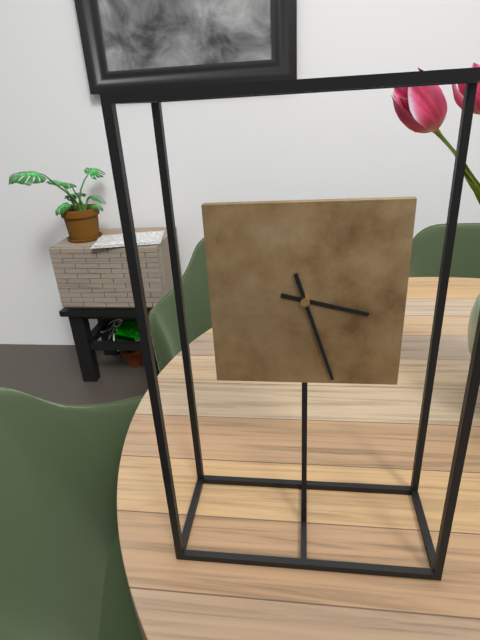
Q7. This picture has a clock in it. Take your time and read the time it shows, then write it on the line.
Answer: 3:27
